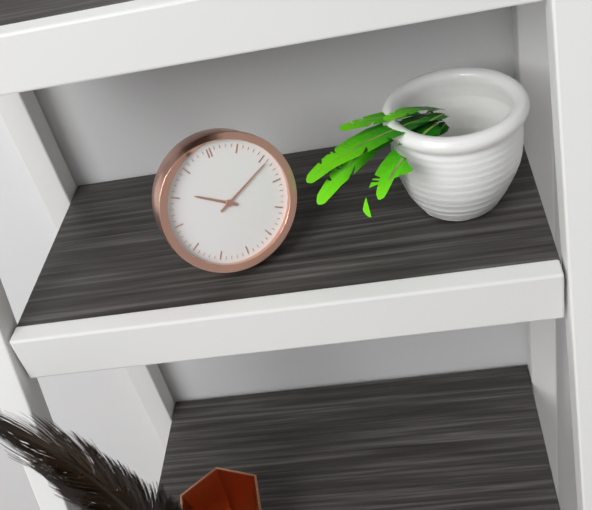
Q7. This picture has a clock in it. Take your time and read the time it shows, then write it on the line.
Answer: 10:11
